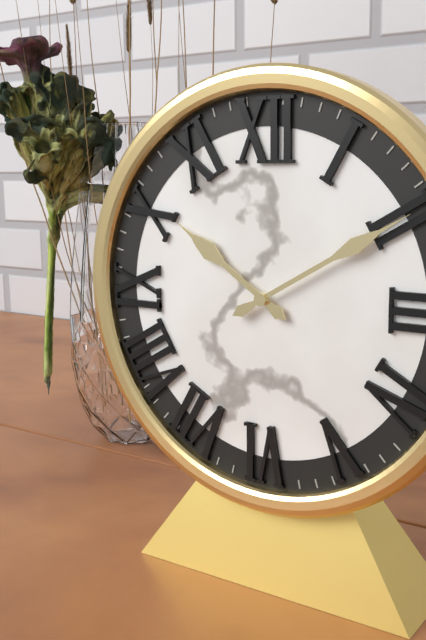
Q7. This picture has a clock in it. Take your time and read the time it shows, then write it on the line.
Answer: 10:10
